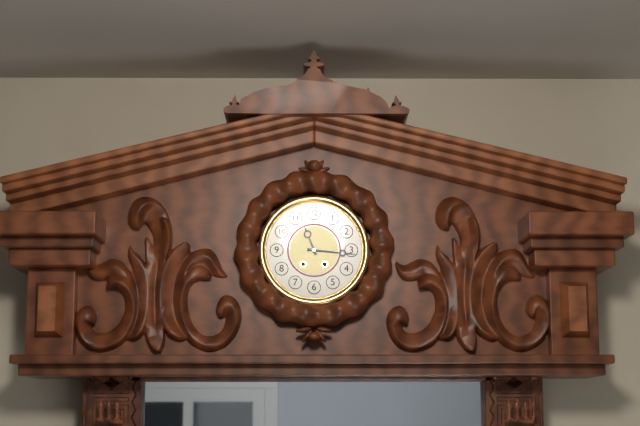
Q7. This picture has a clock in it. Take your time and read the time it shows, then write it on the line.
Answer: 11:16
